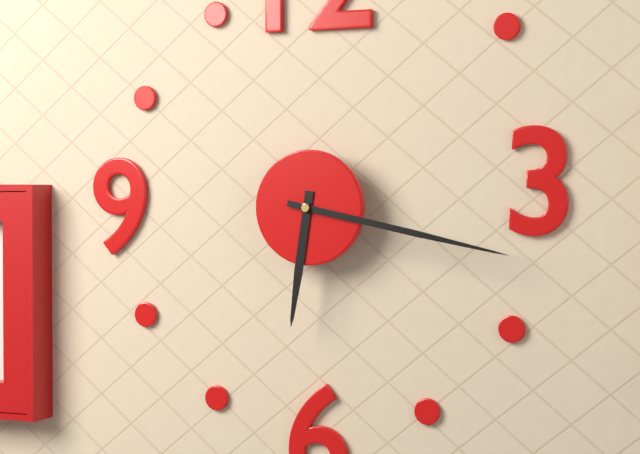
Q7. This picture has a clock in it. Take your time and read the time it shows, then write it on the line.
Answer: 6:17
